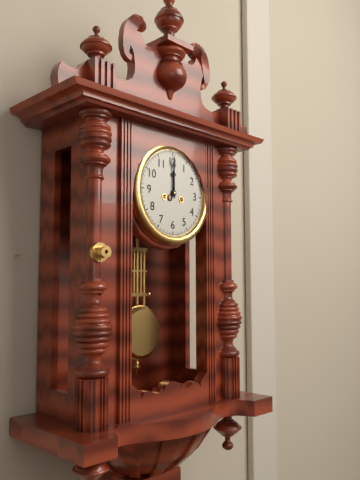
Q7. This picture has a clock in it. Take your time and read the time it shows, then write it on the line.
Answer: 12:00
